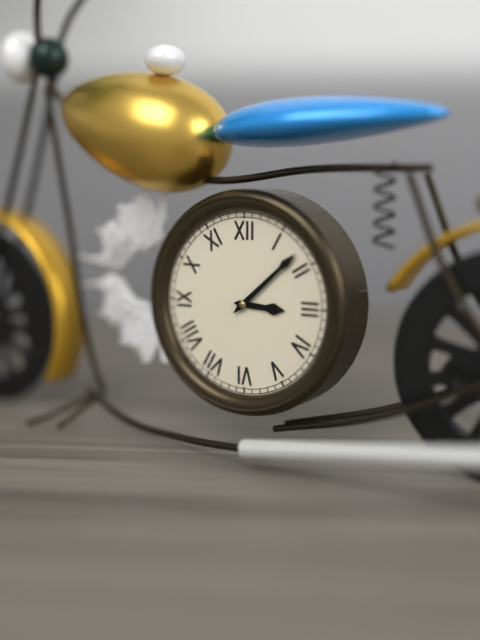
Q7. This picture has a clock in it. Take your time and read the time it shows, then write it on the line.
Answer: 3:08
